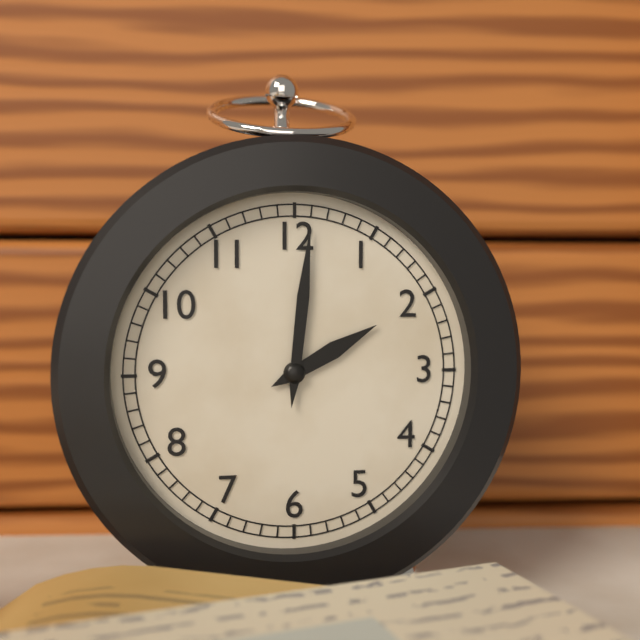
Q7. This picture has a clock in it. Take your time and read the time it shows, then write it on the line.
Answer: 2:01
